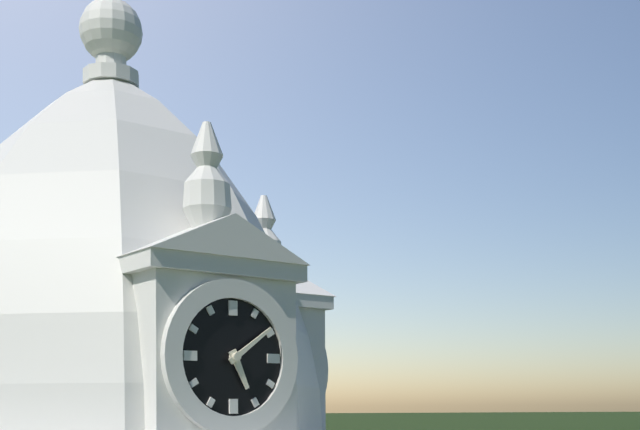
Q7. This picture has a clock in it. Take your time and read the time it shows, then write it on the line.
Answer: 5:09
